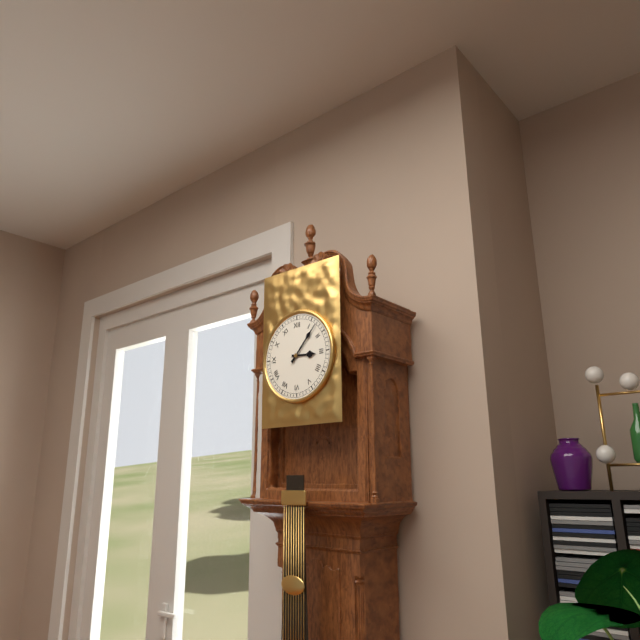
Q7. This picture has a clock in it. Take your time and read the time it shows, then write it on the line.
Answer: 3:07
